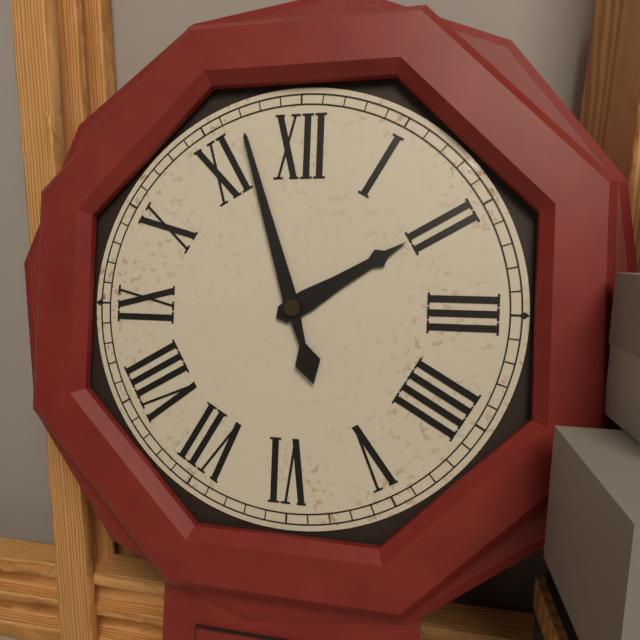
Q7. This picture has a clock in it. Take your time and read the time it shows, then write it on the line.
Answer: 1:57
